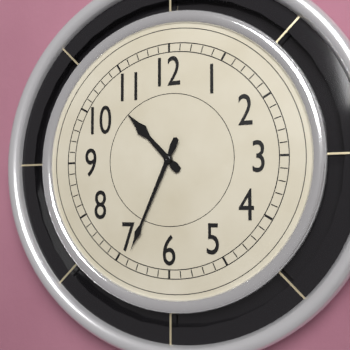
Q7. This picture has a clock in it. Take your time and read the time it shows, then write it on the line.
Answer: 10:34
